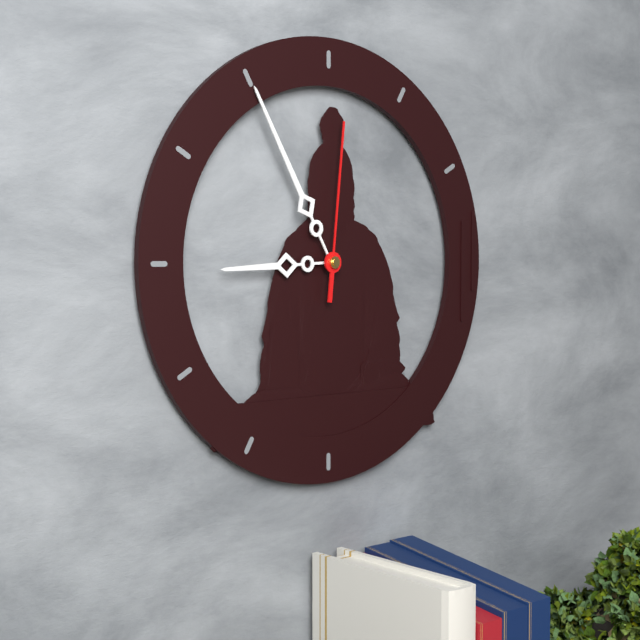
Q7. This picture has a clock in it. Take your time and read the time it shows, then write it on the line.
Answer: 8:55:01
